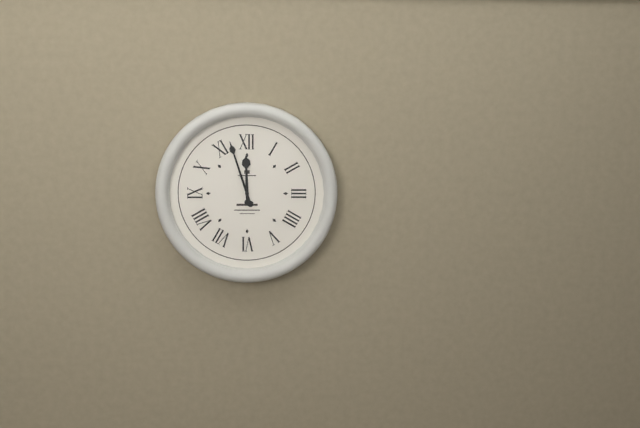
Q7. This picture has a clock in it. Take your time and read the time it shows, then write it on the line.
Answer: 11:57
